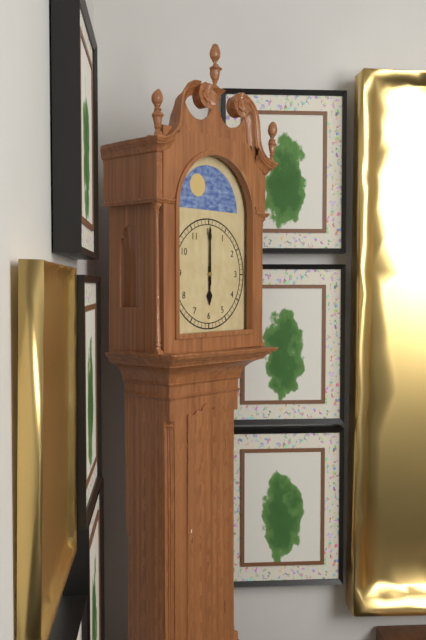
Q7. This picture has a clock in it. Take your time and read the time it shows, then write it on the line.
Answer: 6:00
